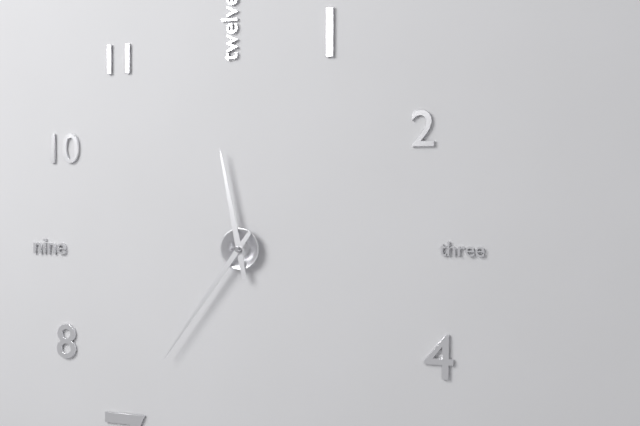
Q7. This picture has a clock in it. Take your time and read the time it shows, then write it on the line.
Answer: 11:36
